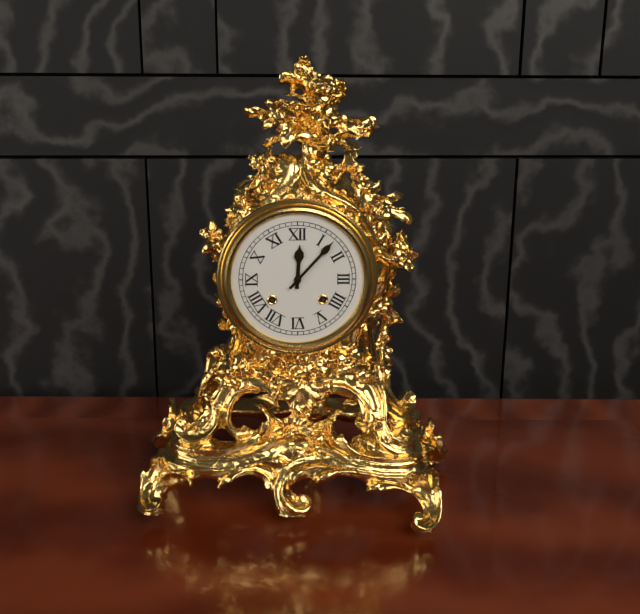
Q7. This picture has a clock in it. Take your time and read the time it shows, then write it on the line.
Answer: 12:07
